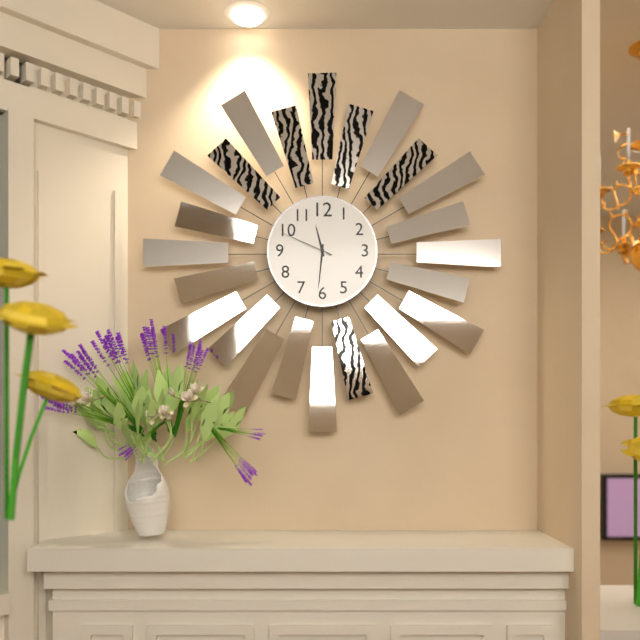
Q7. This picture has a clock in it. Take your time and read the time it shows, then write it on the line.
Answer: 11:31:49
